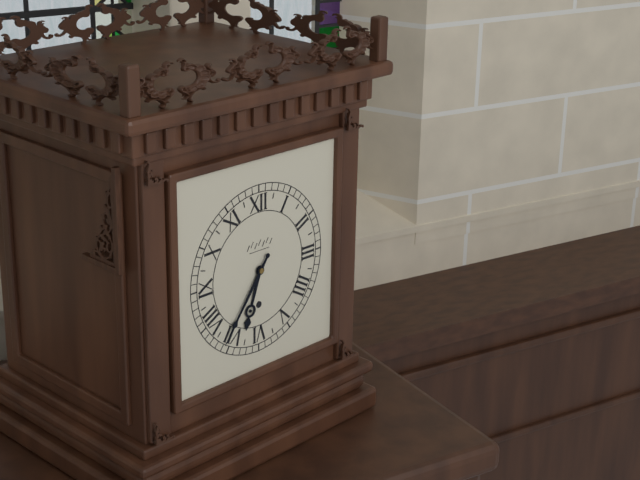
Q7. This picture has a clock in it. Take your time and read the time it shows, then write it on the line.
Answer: 6:36
